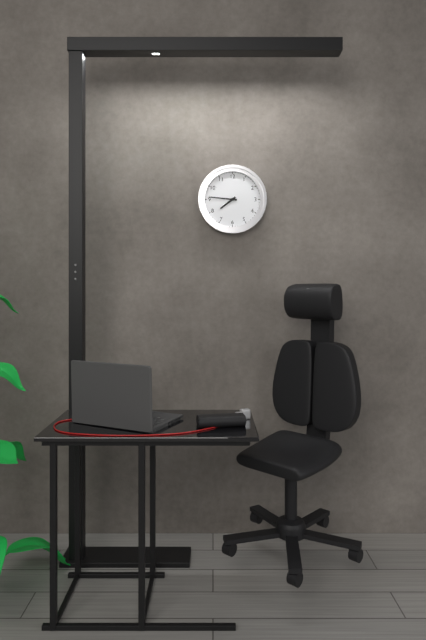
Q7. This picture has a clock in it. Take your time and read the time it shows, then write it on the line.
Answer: 7:46
